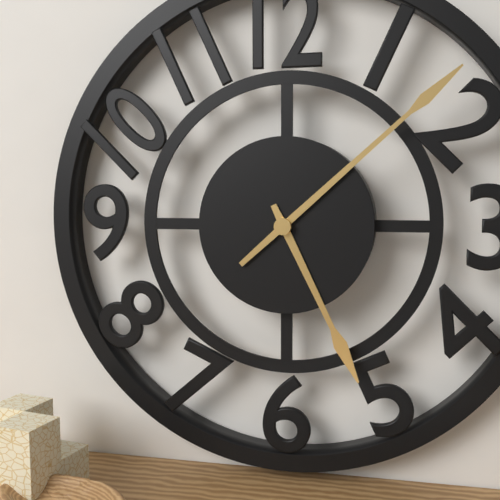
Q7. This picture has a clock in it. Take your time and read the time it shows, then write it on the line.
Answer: 5:08
